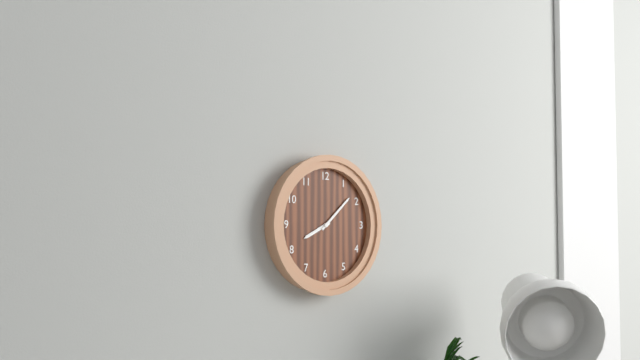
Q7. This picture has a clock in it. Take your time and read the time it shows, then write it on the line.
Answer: 8:08
